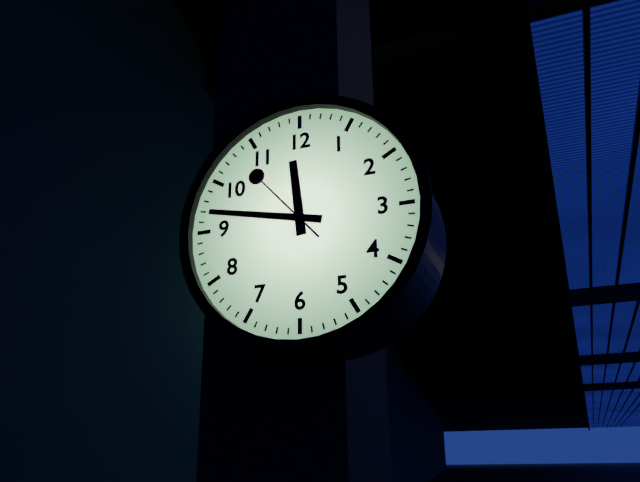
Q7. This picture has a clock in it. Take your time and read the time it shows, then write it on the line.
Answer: 11:47:53
